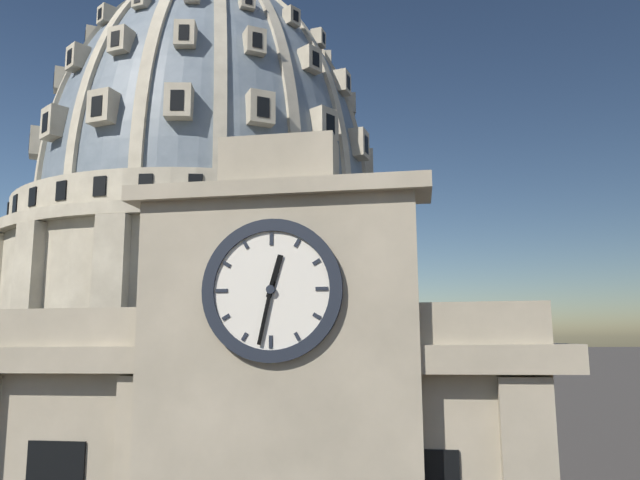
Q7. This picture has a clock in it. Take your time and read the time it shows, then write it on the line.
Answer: 12:32
